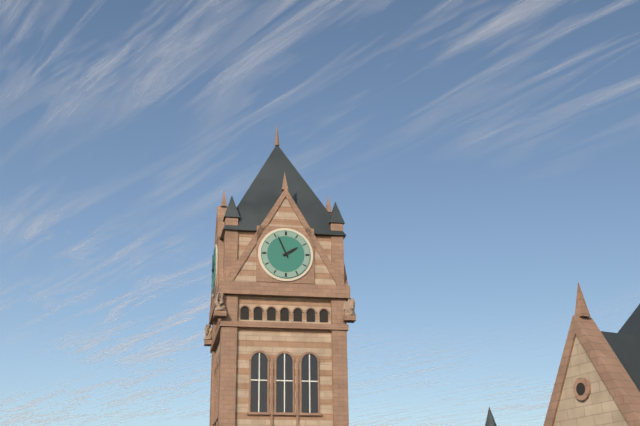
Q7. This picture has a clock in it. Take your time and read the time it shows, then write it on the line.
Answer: 1:56
